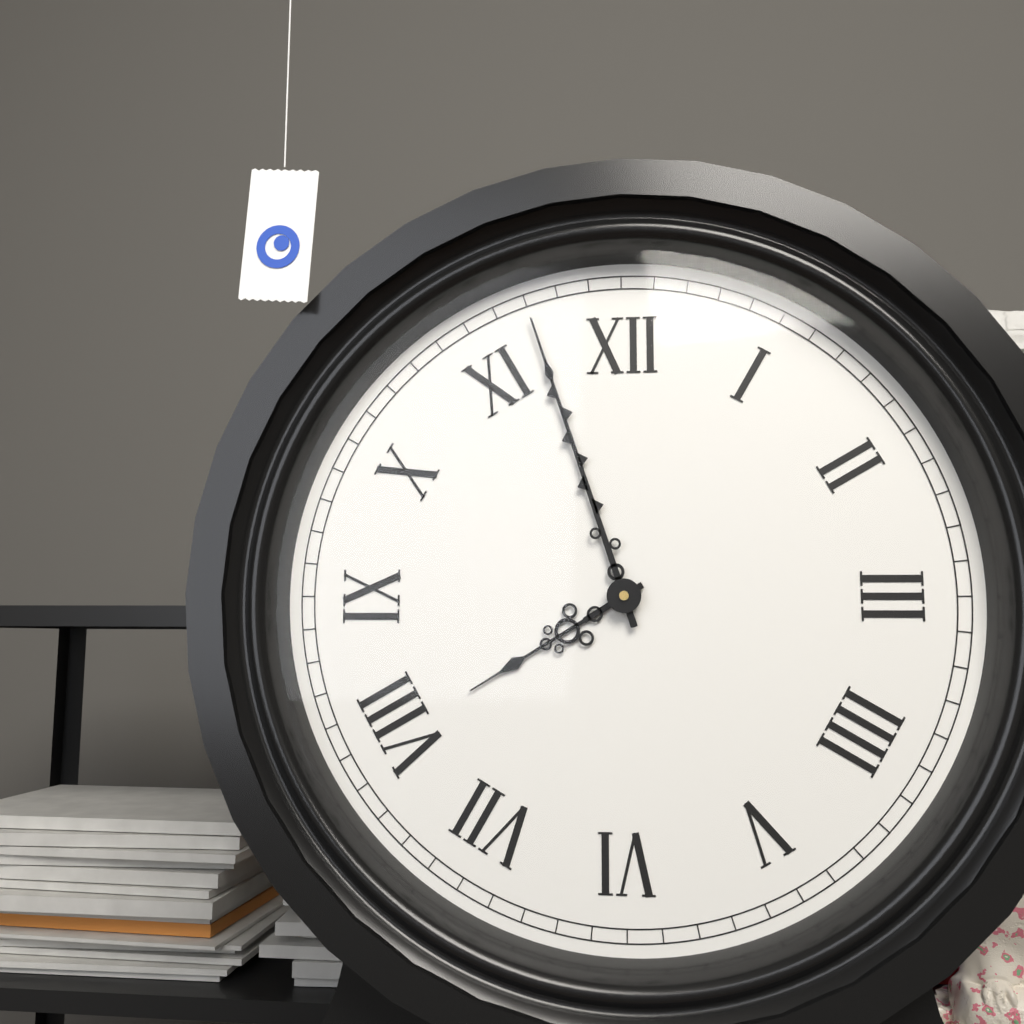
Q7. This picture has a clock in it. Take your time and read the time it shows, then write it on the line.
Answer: 7:57
